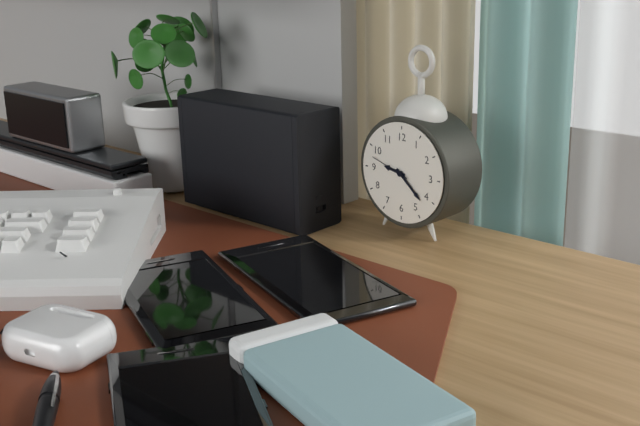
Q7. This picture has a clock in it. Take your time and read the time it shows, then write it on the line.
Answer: 9:22
